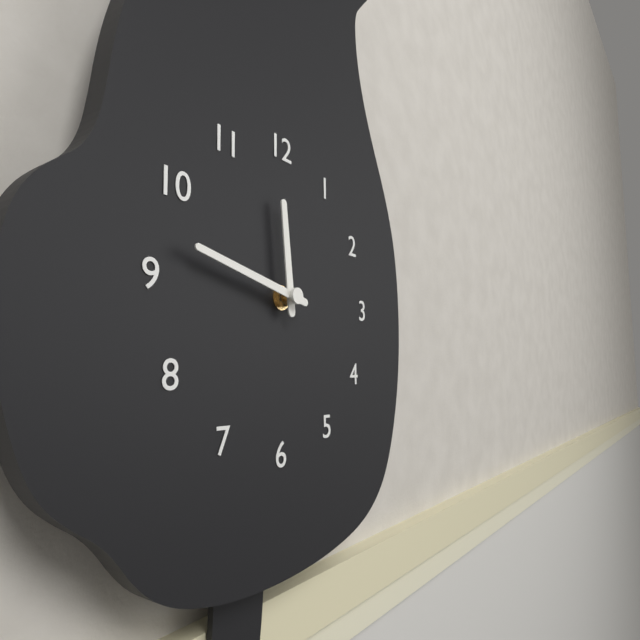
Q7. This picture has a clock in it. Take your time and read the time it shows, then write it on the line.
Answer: 11:47
